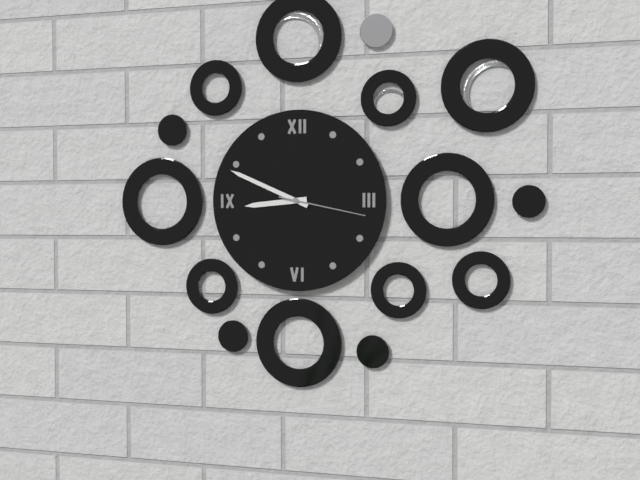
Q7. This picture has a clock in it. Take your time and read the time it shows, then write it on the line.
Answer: 8:49:17
